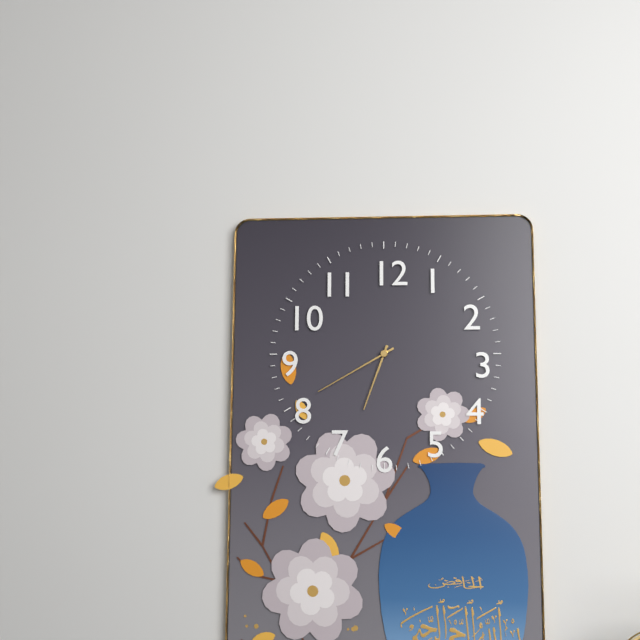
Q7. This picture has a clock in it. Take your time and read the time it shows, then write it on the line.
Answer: 6:40
